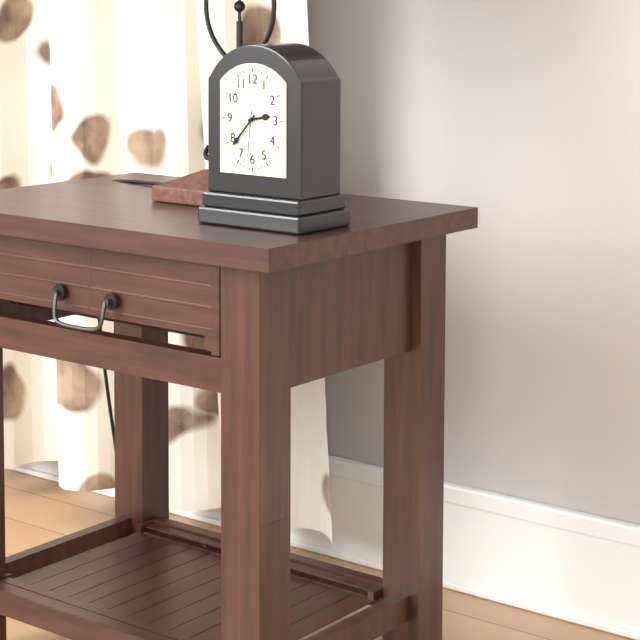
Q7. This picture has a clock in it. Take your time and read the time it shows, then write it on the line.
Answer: 2:37
